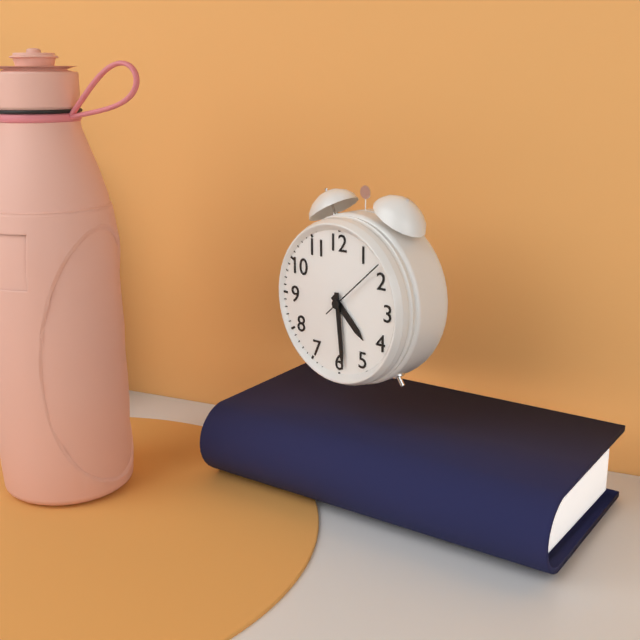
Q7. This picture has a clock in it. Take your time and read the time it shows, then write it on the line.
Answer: 4:29:08
